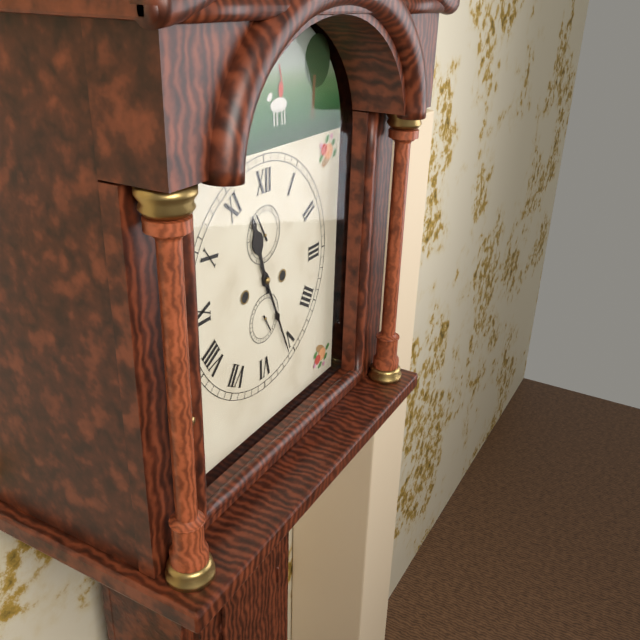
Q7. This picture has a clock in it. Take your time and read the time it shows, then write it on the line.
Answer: 11:26
